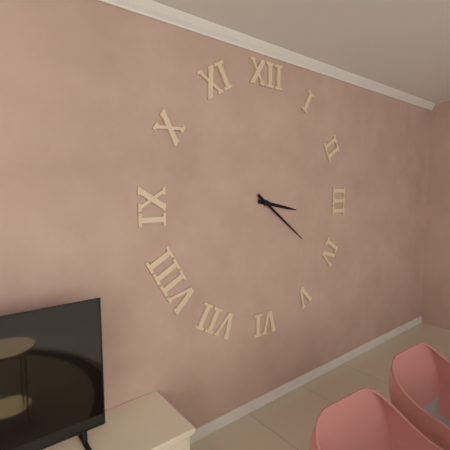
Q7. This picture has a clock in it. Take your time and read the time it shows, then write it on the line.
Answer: 3:21
